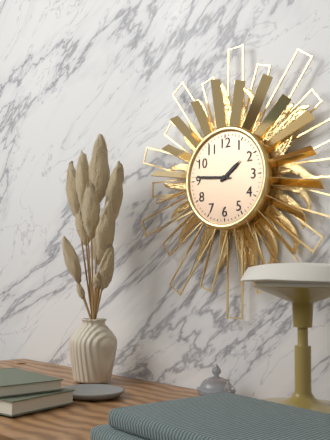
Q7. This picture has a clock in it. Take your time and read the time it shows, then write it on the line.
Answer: 1:46
